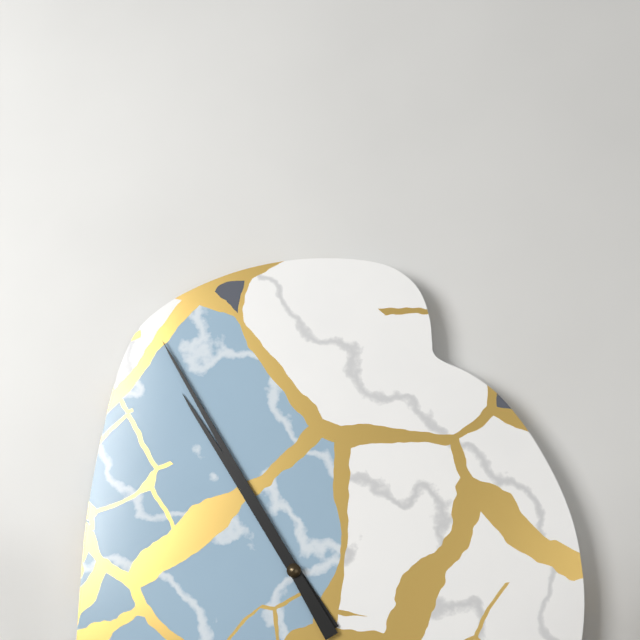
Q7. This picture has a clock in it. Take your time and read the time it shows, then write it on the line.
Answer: 10:55
